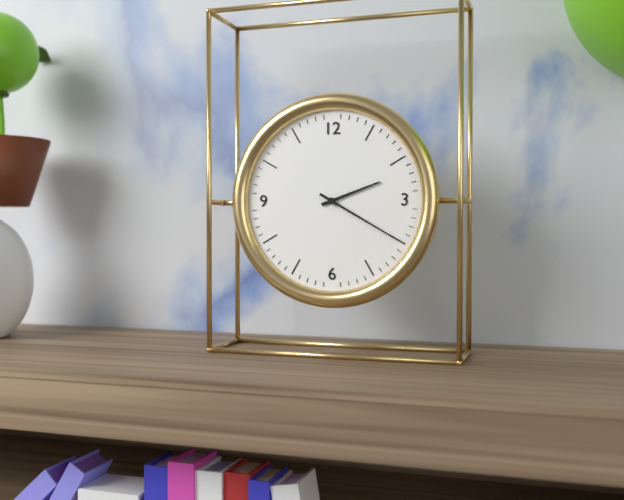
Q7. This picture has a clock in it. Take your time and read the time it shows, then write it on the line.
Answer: 2:20
